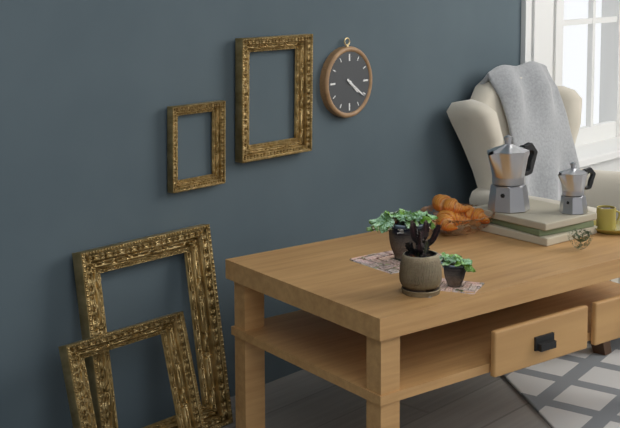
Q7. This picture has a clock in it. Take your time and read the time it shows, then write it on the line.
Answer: 4:21
